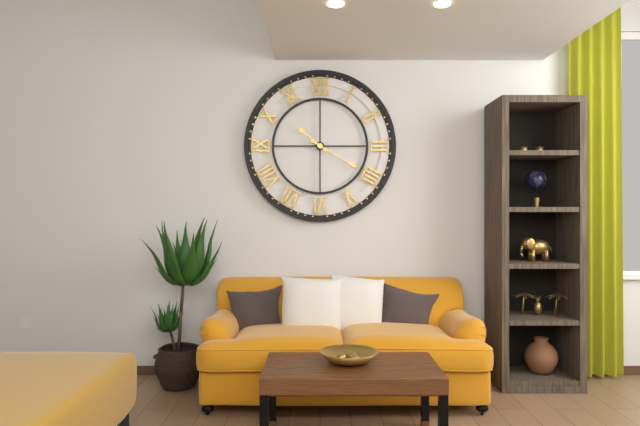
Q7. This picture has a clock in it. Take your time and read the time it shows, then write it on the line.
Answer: 10:20
